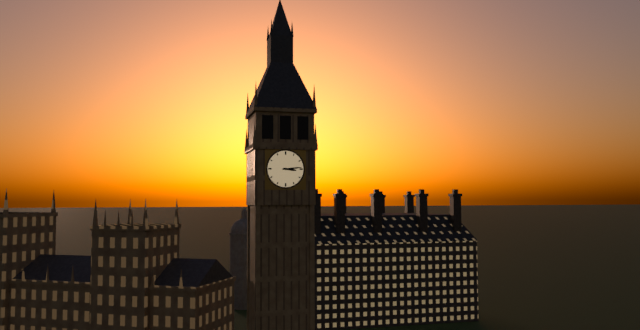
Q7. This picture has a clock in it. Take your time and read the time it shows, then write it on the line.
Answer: 3:14
